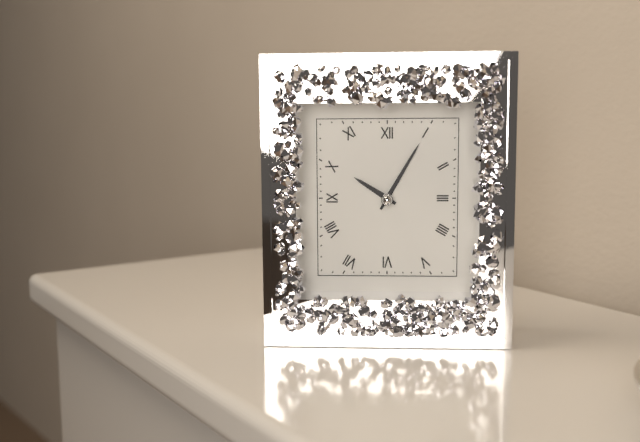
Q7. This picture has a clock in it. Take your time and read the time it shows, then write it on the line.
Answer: 10:05
